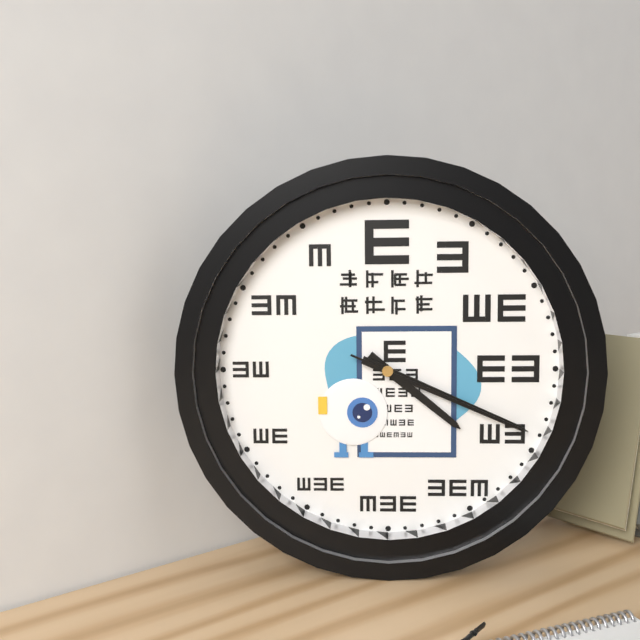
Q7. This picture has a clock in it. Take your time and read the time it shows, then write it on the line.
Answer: 4:19:19
